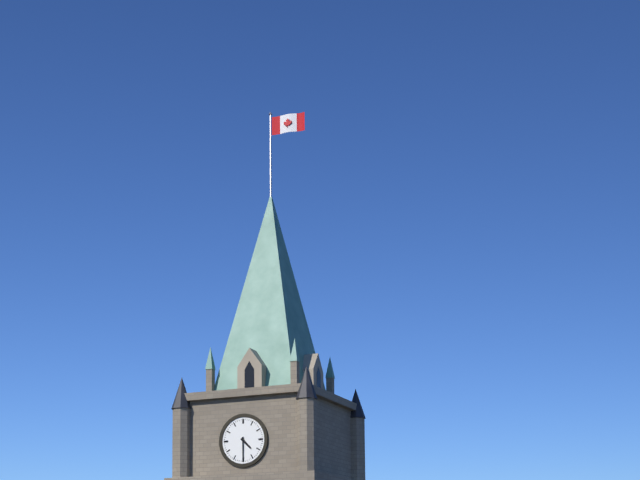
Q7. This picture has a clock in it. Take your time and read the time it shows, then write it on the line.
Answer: 4:30
